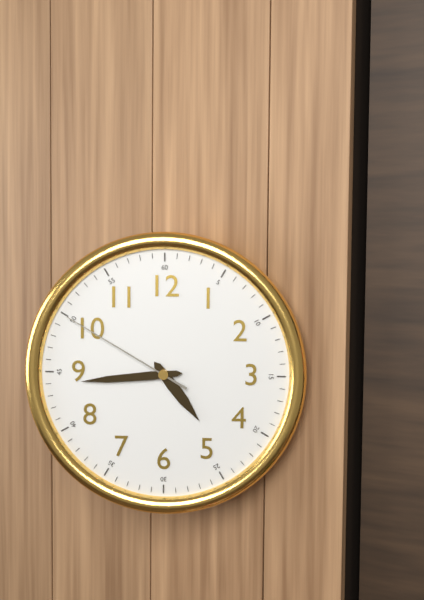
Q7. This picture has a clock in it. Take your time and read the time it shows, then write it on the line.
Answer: 4:44:50
